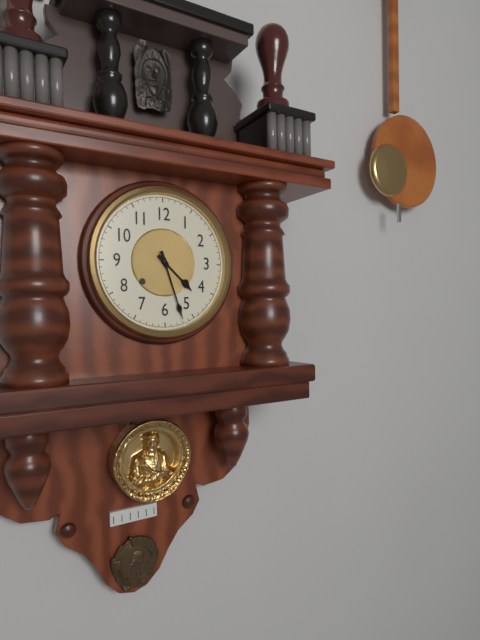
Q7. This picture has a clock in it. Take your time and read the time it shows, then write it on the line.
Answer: 4:27
